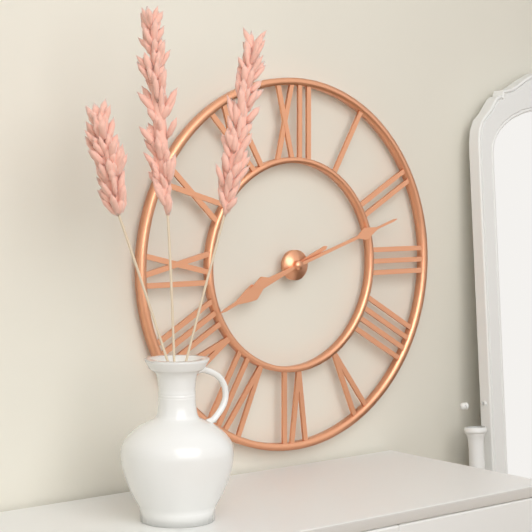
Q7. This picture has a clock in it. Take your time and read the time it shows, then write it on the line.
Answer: 8:12
